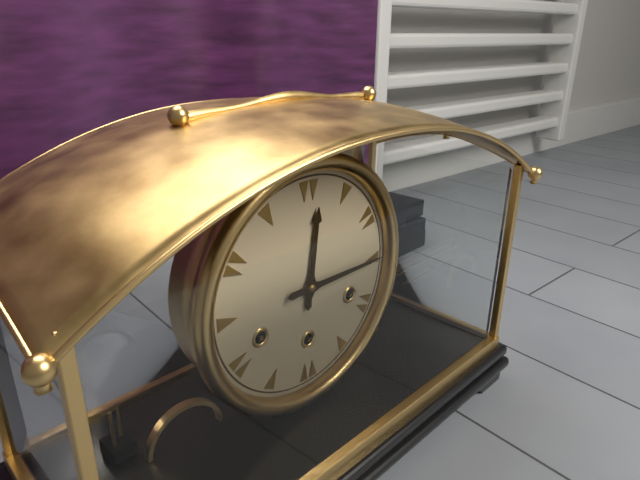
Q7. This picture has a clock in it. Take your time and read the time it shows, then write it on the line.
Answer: 12:15
